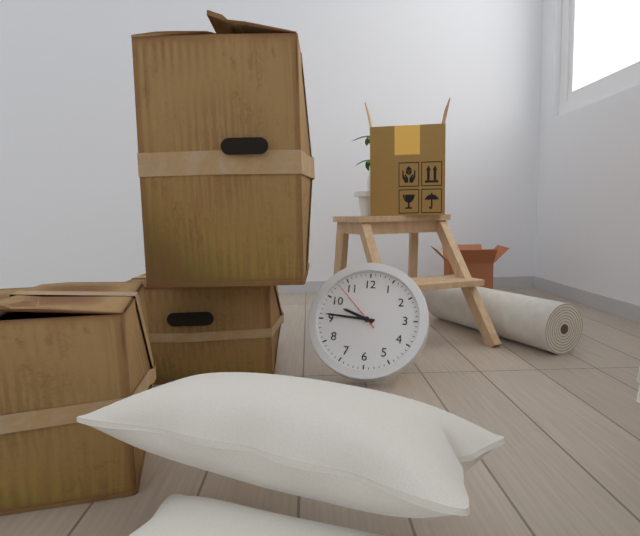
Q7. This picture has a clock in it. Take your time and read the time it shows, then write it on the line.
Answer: 9:46:53
